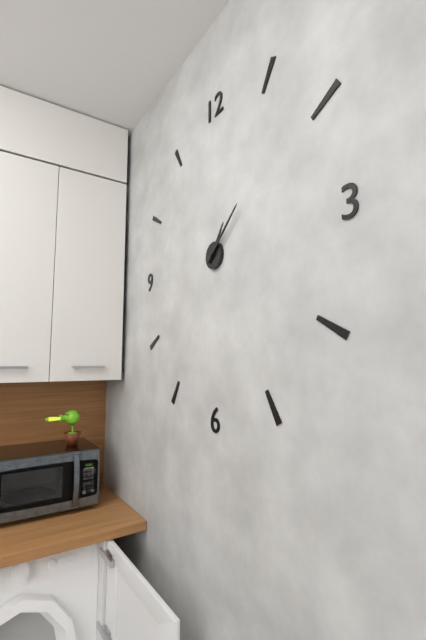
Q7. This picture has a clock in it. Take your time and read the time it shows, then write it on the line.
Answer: 1:08
